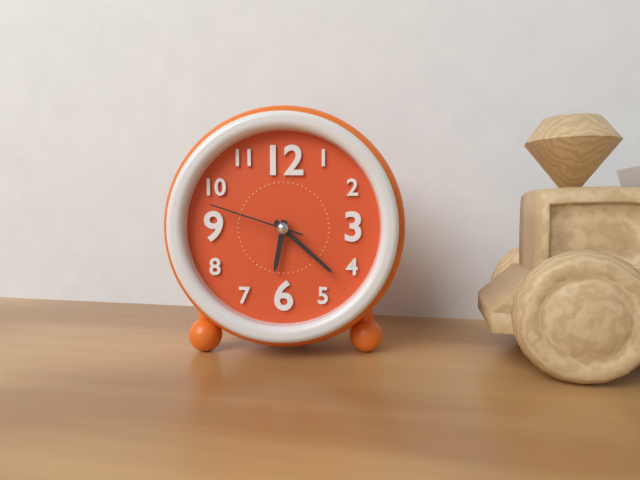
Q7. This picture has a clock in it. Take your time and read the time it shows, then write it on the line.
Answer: 6:22:48
